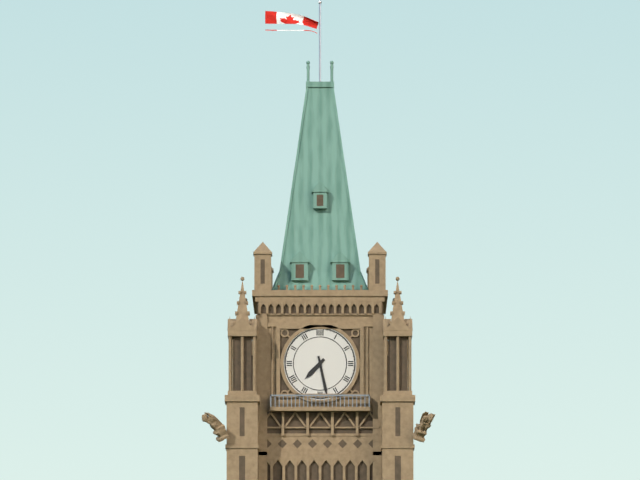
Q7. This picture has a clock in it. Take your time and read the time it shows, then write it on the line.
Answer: 7:28
